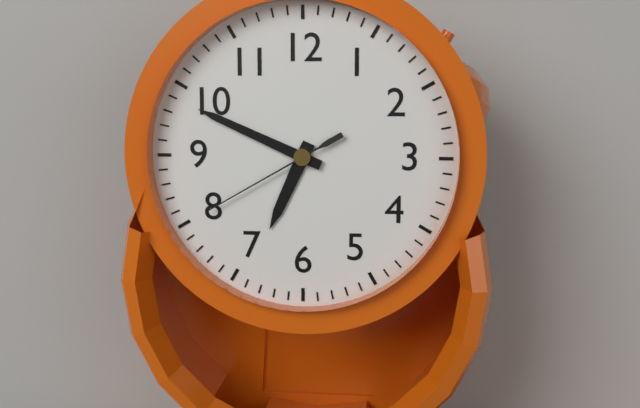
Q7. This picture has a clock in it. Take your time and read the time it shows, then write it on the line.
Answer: 6:49:40
